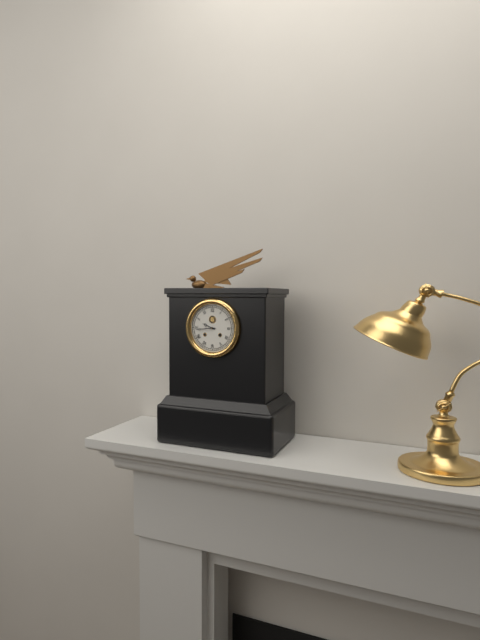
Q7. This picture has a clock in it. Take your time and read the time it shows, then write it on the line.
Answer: 9:44
